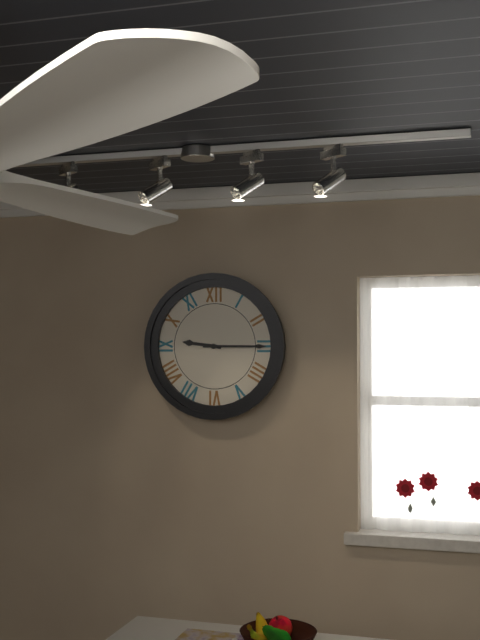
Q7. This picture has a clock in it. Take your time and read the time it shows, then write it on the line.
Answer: 9:15
